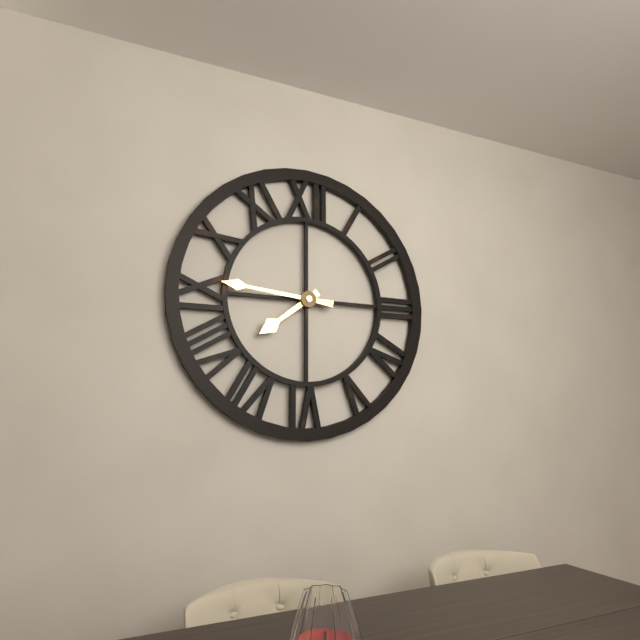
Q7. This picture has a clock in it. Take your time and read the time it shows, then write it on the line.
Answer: 7:46
